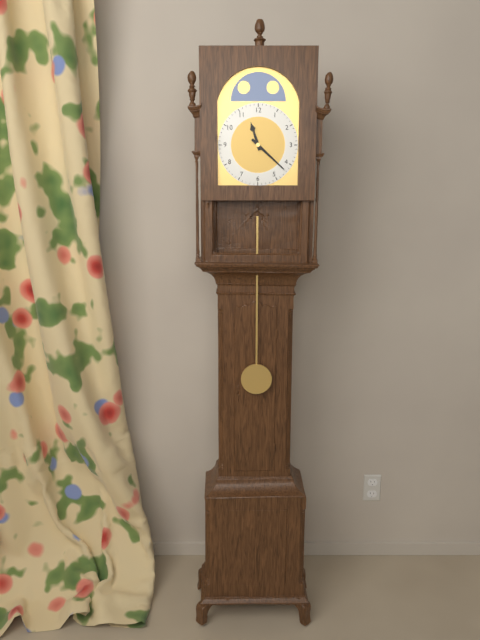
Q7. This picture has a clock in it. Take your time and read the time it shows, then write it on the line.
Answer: 11:22
